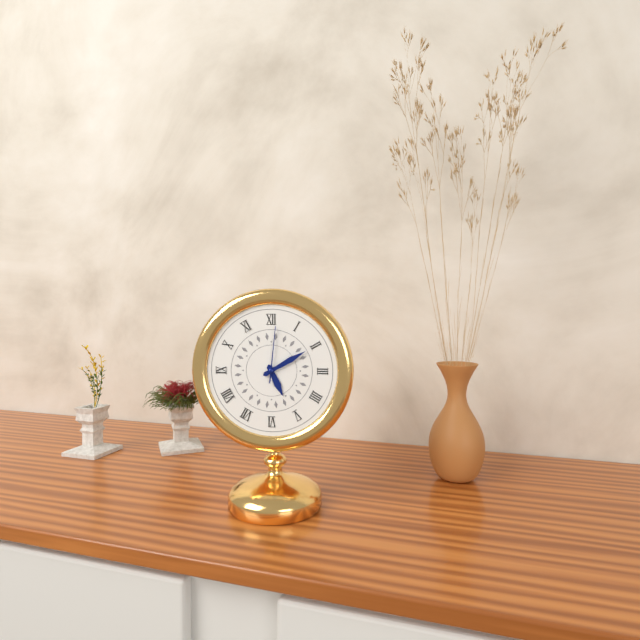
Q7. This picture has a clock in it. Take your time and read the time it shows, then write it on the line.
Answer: 5:10:01
